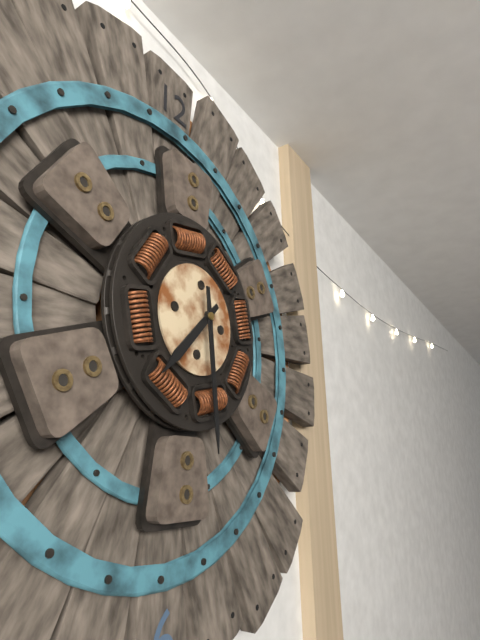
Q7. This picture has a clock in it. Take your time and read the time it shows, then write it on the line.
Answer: 7:29
